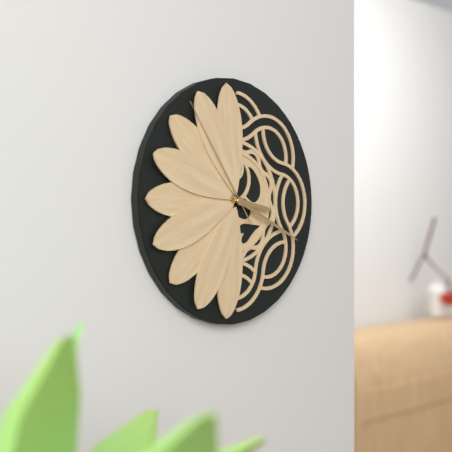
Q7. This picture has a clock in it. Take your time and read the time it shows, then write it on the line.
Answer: 3:19:54
